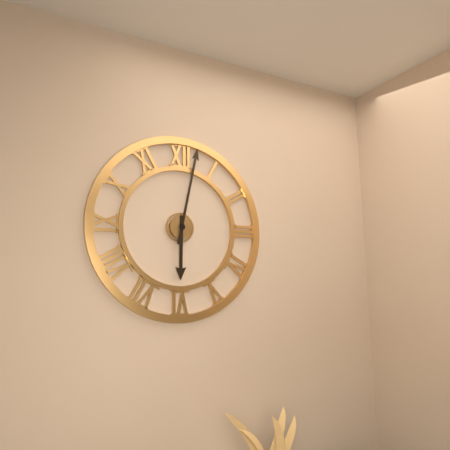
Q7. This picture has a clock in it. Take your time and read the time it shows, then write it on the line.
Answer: 6:02
